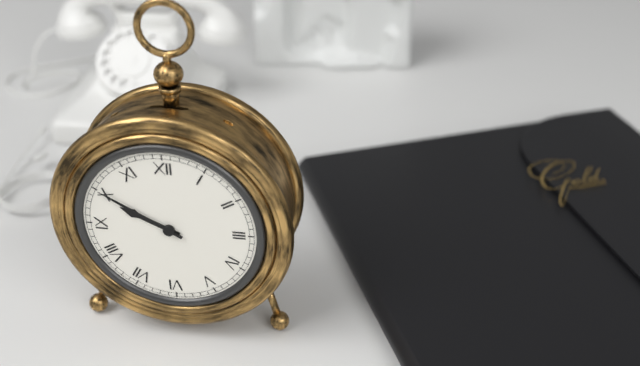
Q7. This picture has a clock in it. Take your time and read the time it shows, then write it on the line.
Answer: 9:50
